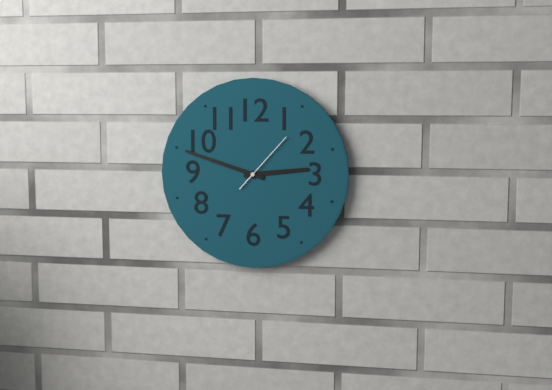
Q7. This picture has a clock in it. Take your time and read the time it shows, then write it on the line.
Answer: 2:48:07
